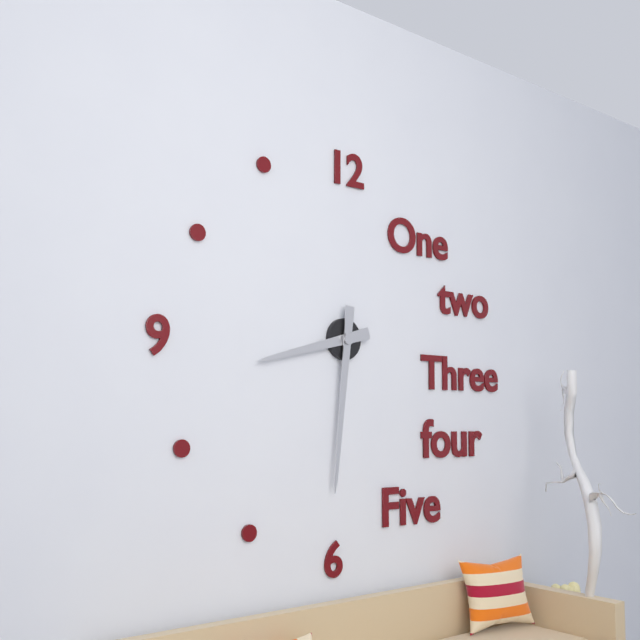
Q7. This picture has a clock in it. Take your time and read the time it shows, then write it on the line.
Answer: 8:31
